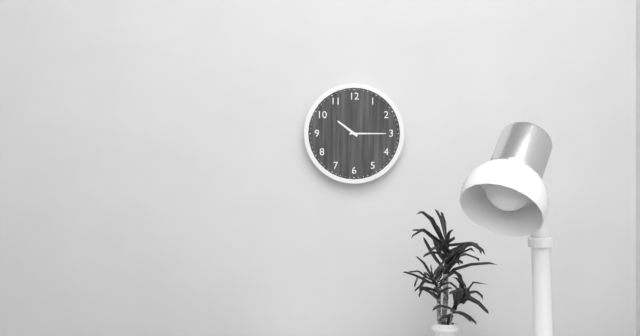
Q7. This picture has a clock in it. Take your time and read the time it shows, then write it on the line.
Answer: 10:15
